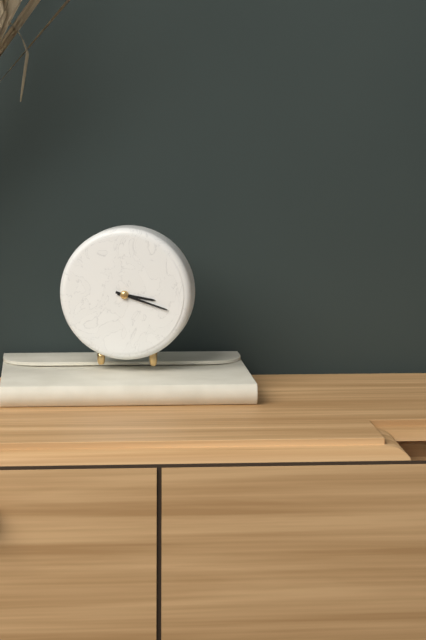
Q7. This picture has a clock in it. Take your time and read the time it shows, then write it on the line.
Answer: 3:18
